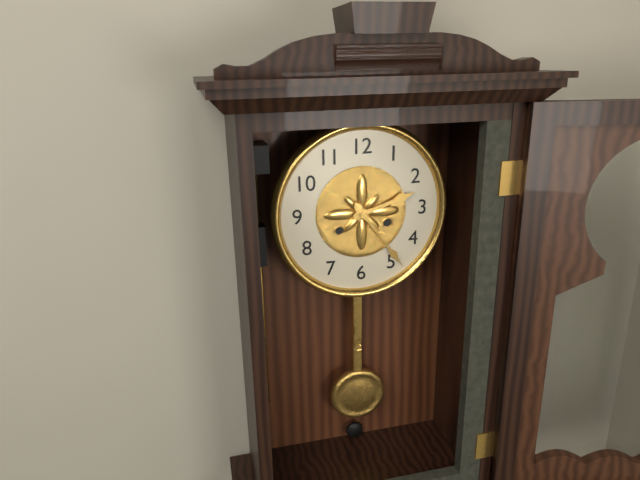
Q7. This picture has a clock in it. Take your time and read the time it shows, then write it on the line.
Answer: 2:24
